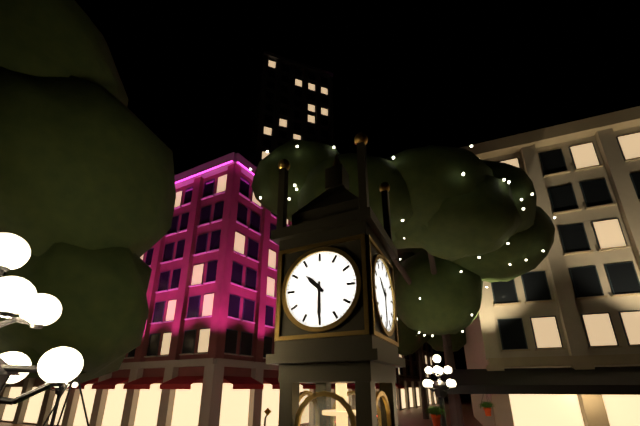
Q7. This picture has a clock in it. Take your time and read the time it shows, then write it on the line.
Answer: 10:30
